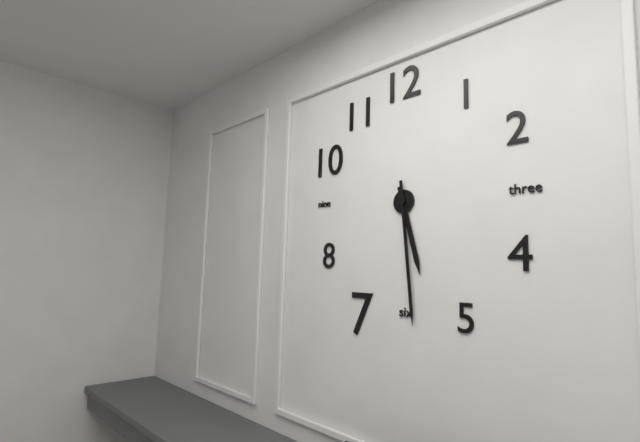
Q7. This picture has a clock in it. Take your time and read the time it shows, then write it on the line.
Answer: 5:29
